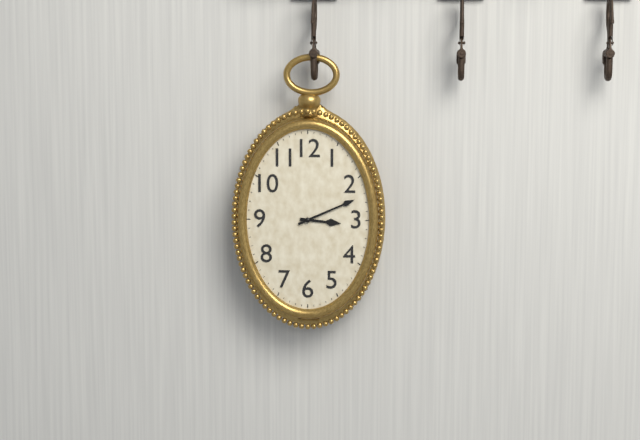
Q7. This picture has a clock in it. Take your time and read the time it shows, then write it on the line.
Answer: 3:11
